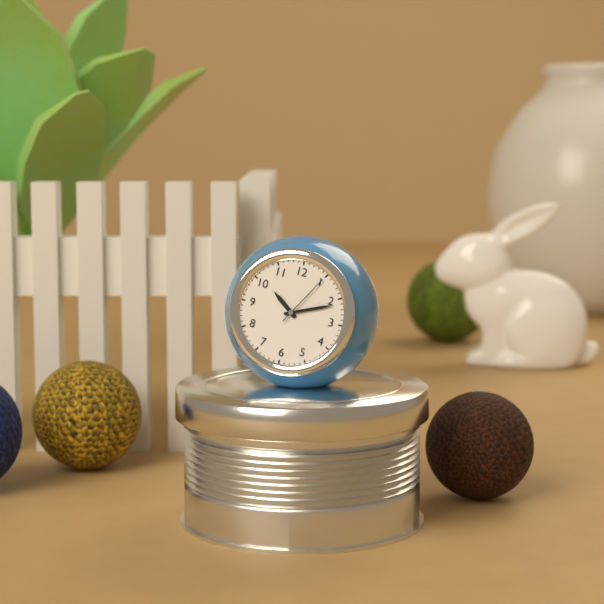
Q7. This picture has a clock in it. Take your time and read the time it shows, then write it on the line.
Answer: 10:11
